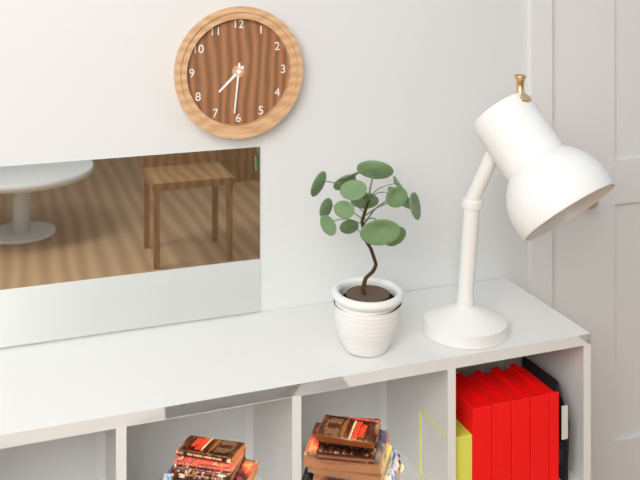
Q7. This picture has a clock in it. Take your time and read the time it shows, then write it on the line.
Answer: 7:31
